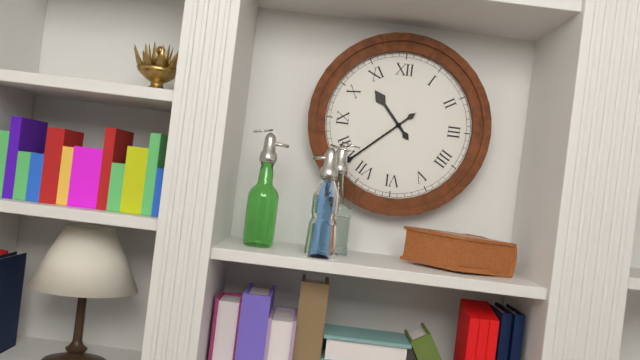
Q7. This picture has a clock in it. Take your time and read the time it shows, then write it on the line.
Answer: 10:38
